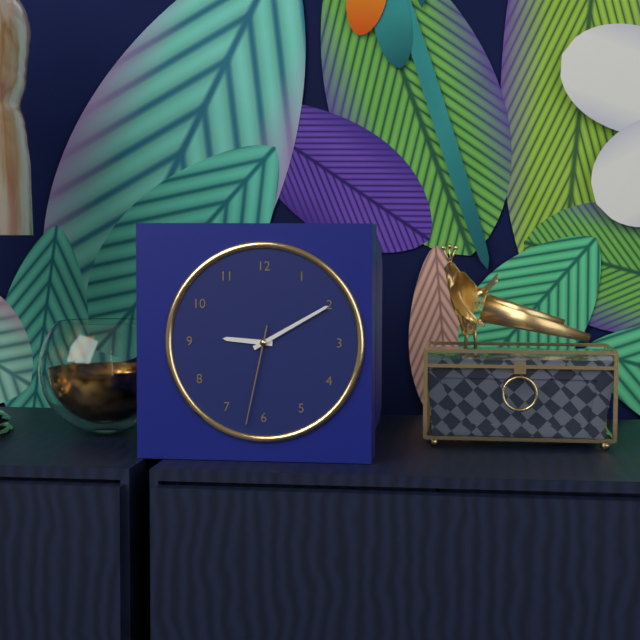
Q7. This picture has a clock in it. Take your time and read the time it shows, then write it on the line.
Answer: 9:10:32
